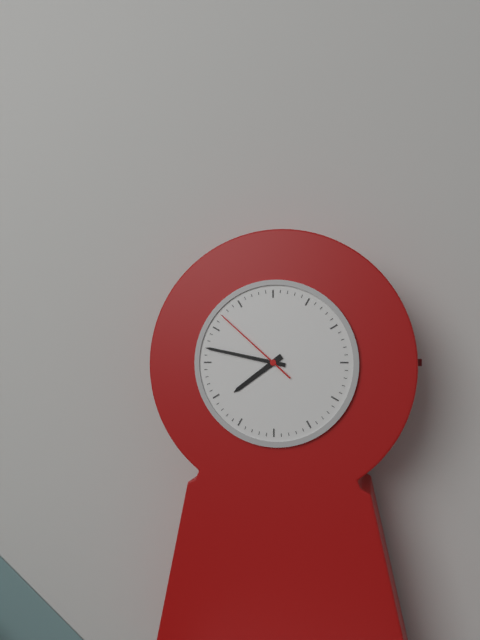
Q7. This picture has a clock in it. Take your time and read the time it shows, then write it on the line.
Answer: 7:47:52
